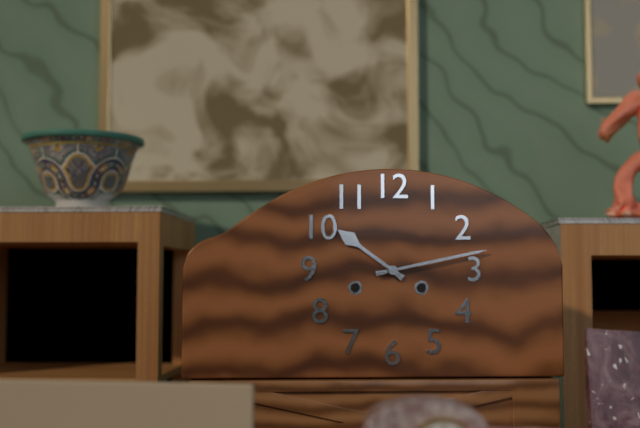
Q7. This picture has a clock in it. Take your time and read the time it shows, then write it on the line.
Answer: 10:13
